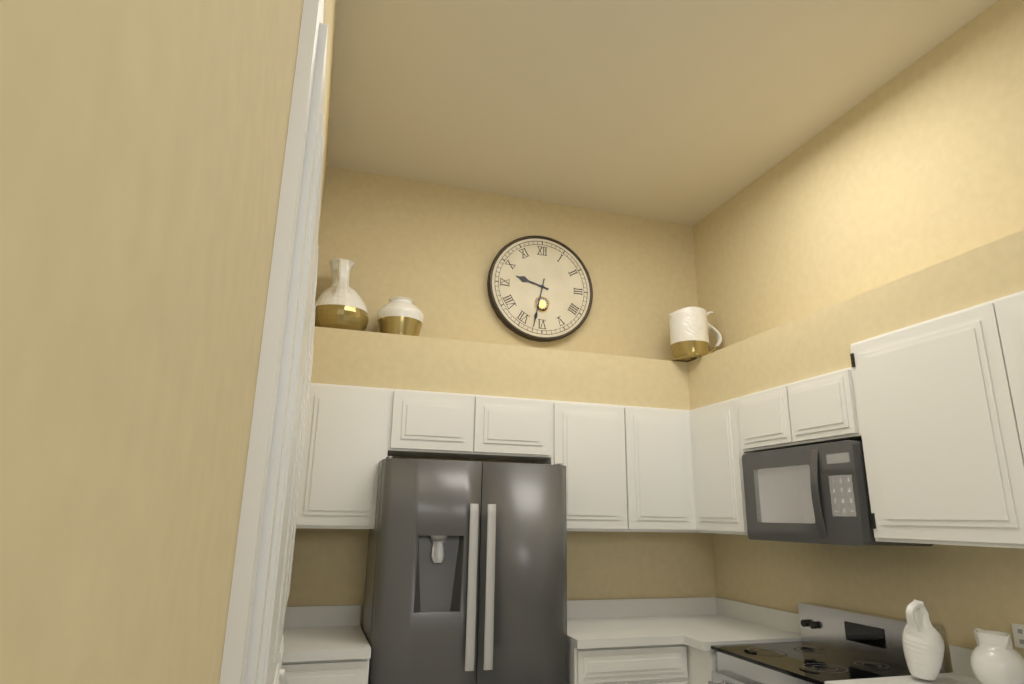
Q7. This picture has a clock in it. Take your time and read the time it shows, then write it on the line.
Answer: 9:32
